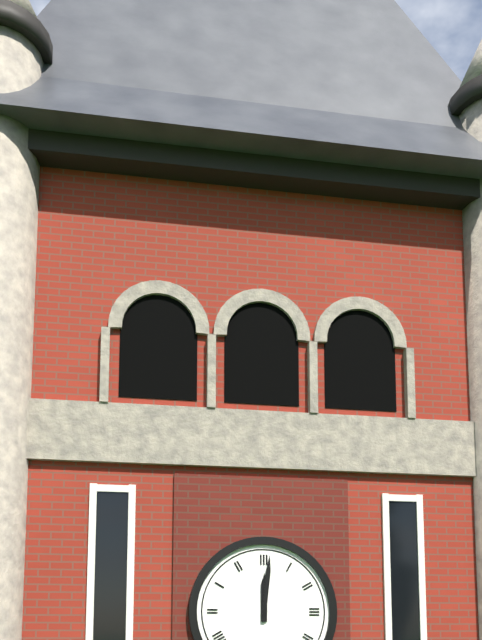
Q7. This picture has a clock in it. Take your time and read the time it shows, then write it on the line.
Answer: 12:01
